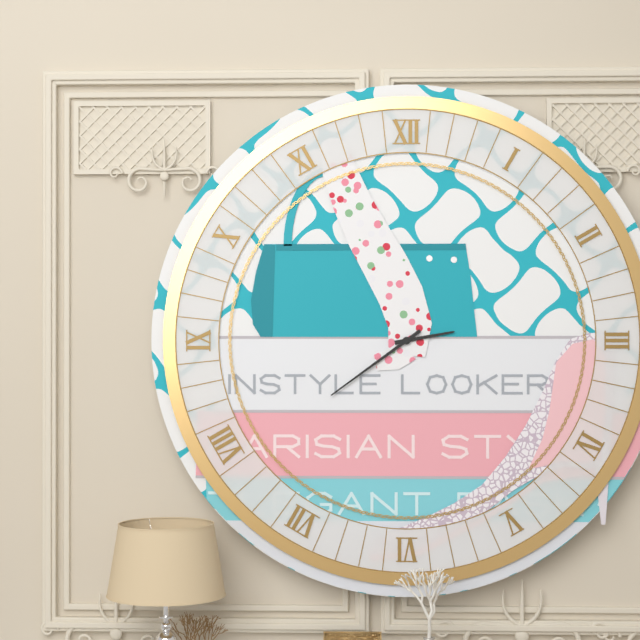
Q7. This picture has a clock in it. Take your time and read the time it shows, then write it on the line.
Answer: 2:39
